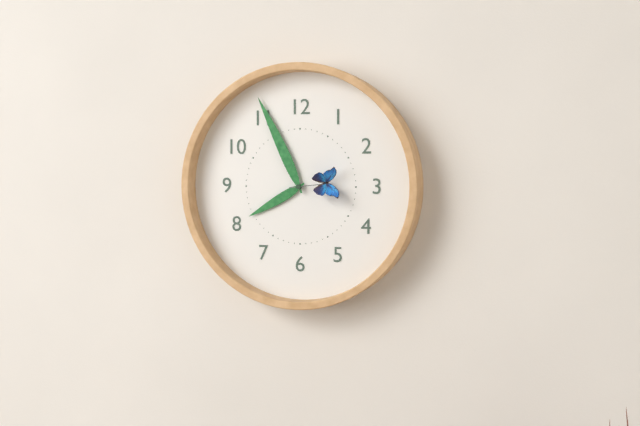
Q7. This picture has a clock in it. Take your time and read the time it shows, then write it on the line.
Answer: 7:56:14
